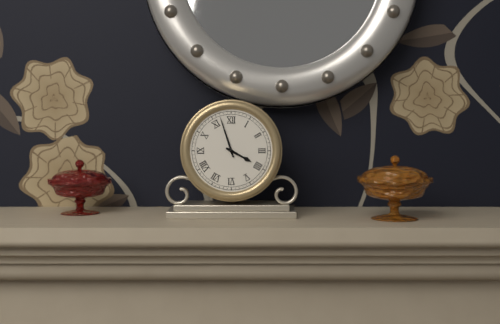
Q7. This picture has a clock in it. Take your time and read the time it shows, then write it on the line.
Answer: 3:57
